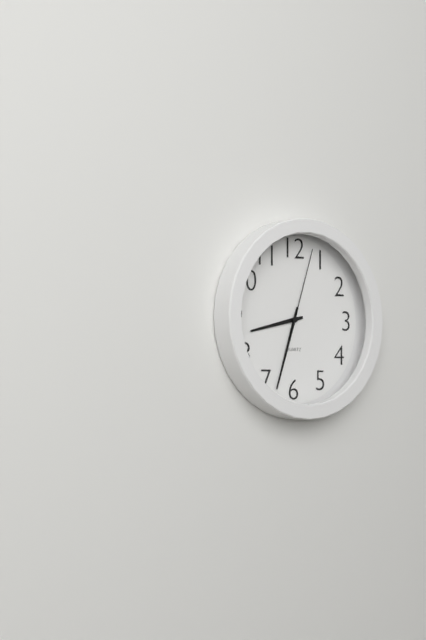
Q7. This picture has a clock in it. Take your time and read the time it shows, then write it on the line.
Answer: 8:33:03
